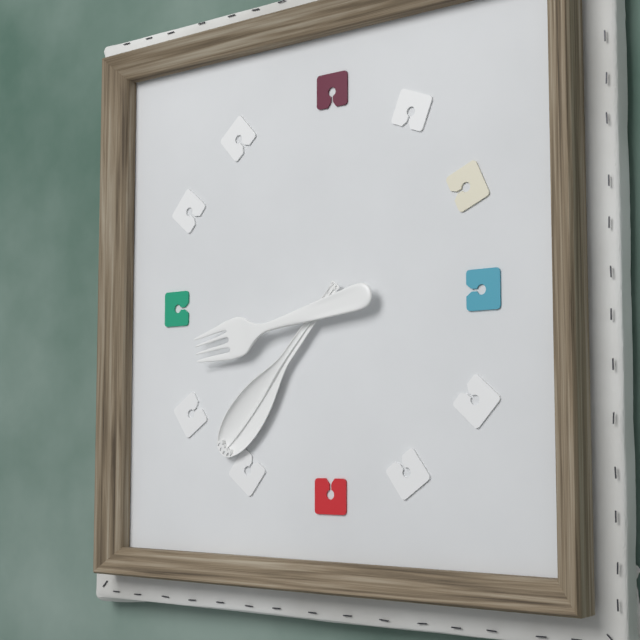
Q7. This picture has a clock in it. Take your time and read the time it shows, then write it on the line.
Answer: 8:37
